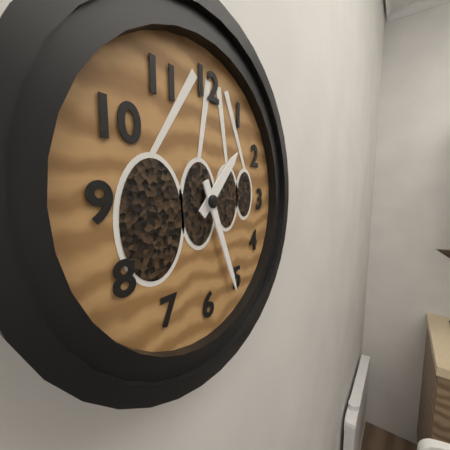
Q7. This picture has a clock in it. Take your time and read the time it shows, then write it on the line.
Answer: 1:26
